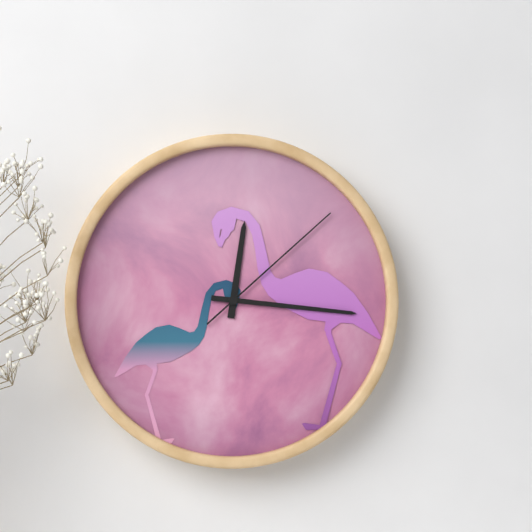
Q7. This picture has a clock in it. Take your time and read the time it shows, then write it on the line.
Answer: 12:16:08
